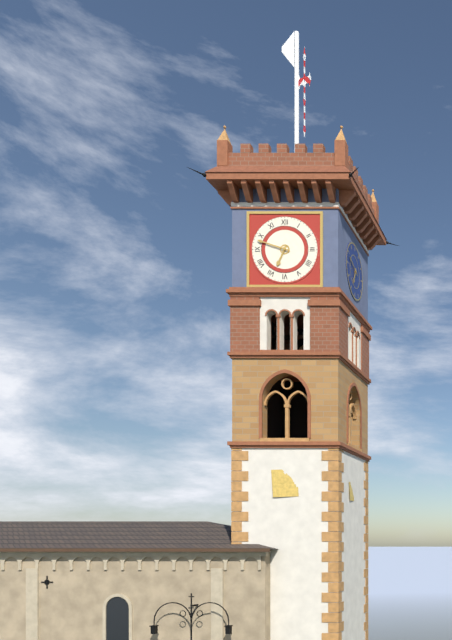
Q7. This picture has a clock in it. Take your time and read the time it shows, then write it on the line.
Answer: 6:48
